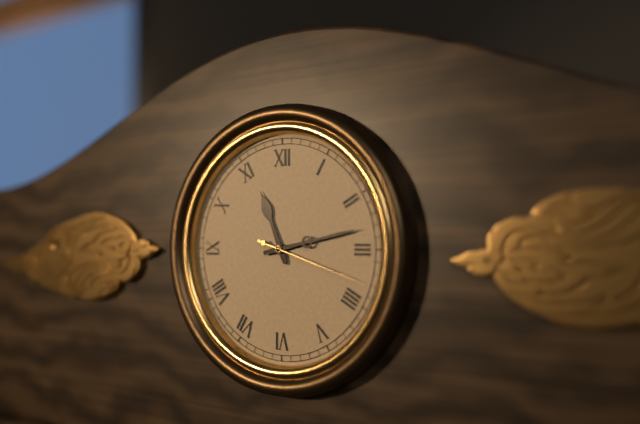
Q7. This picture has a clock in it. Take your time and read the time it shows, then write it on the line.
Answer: 11:13:18
